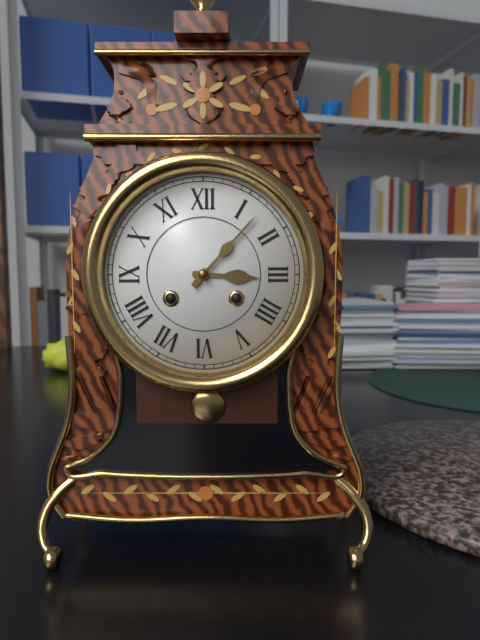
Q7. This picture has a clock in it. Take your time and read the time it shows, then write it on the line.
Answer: 3:07
